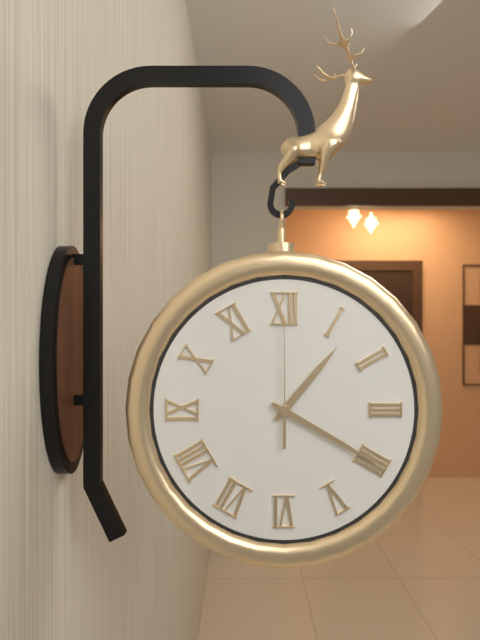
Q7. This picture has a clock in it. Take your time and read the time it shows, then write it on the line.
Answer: 1:20:00
